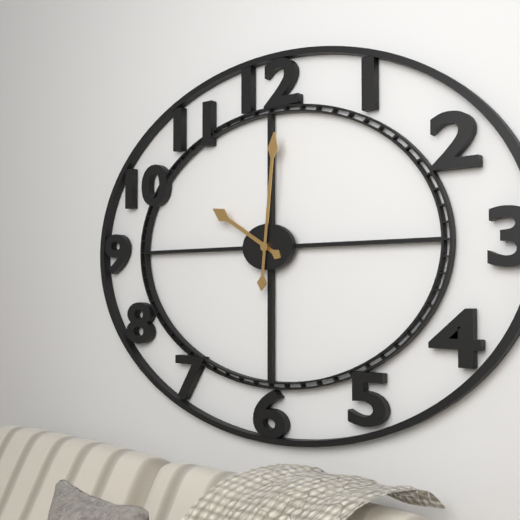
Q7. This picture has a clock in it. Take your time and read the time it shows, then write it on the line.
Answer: 10:01
